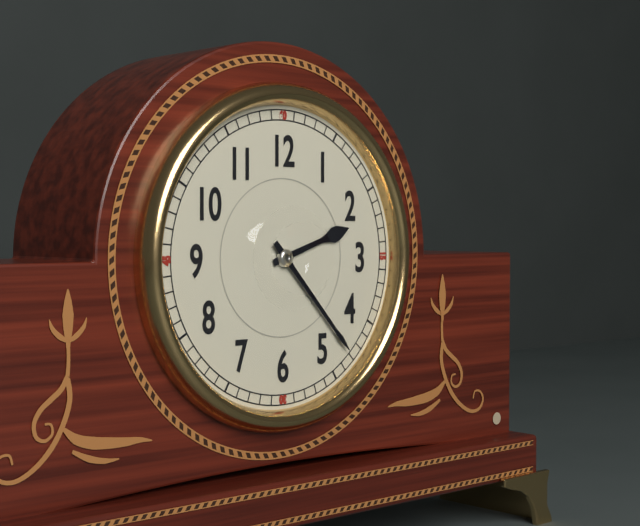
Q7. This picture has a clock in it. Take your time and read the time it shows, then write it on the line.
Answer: 2:23
